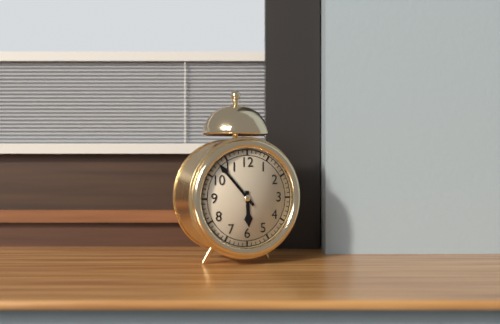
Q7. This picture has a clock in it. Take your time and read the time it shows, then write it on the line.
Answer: 5:53
